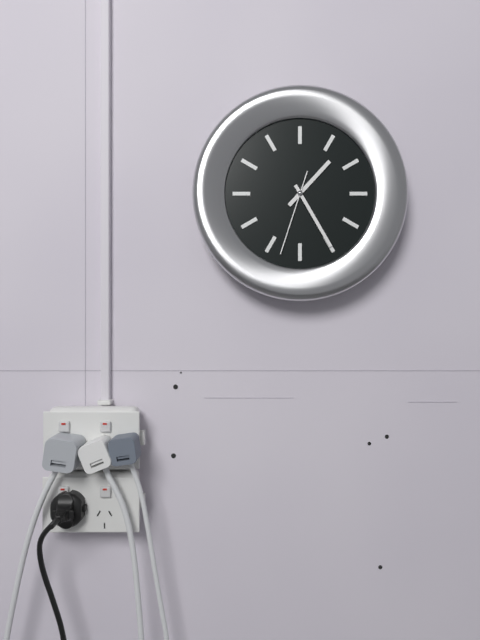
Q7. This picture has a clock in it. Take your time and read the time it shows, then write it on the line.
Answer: 1:25:33
